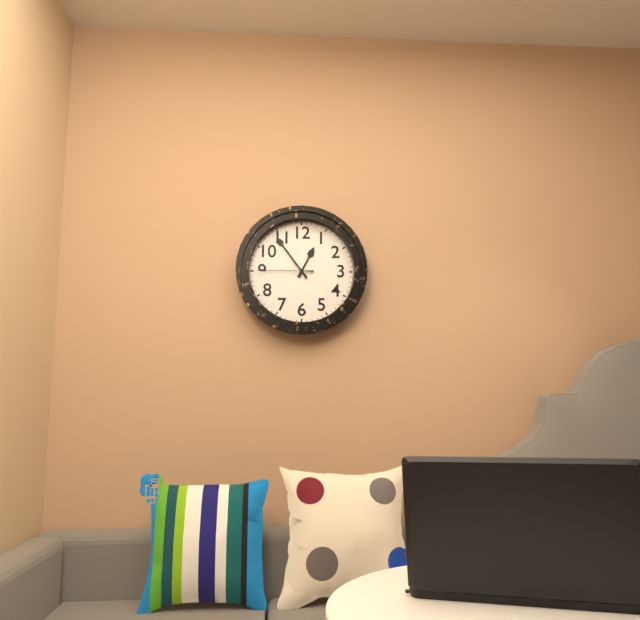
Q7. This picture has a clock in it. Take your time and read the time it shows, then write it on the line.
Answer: 12:54:45
